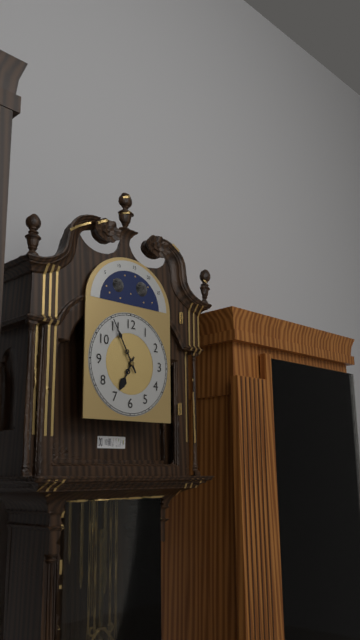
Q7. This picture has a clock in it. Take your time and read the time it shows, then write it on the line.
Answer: 6:55
